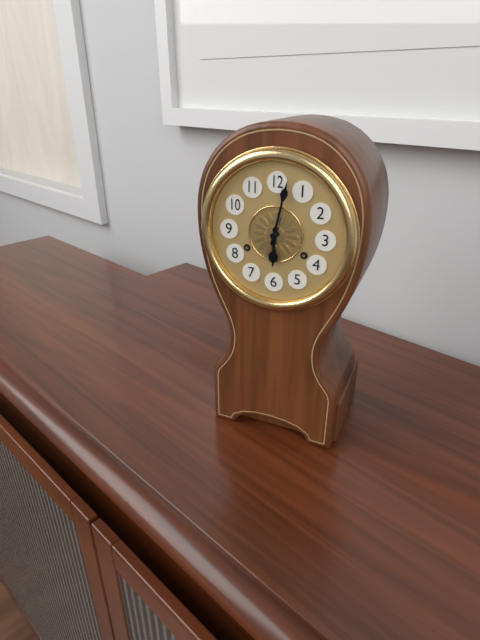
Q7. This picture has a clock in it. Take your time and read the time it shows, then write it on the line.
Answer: 6:02
